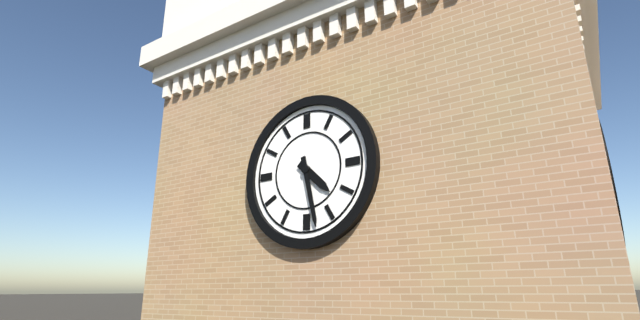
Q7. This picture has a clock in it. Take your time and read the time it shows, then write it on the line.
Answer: 4:28
